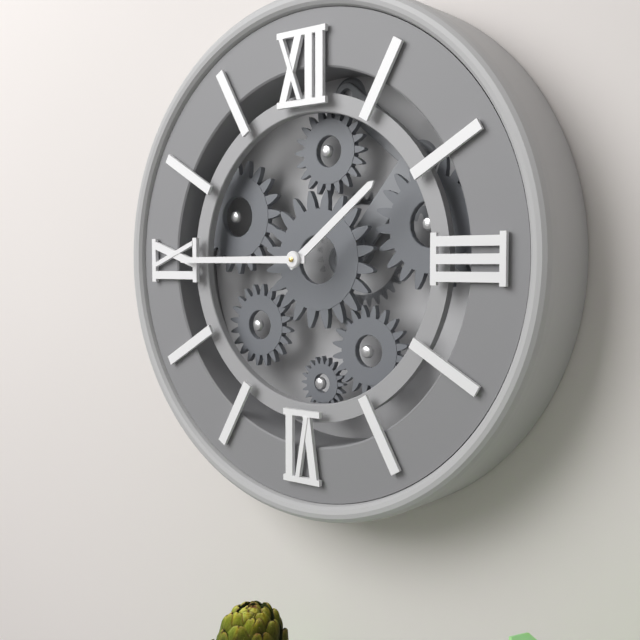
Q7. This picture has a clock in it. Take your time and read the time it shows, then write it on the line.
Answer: 1:45
